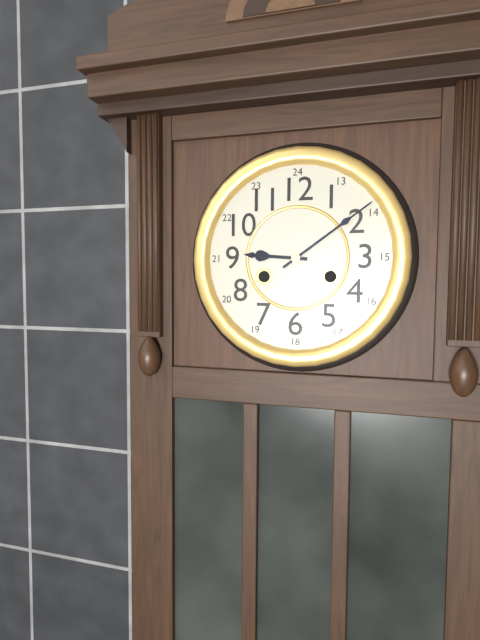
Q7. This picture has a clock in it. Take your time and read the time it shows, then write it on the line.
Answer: 9:09
